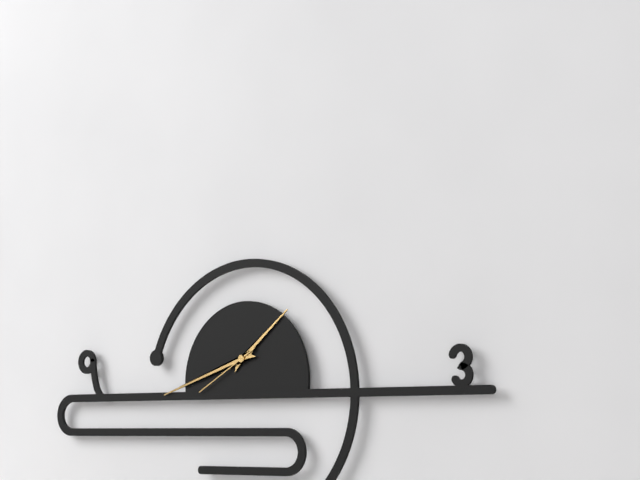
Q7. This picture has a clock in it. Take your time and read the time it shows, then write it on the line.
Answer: 1:42:40
